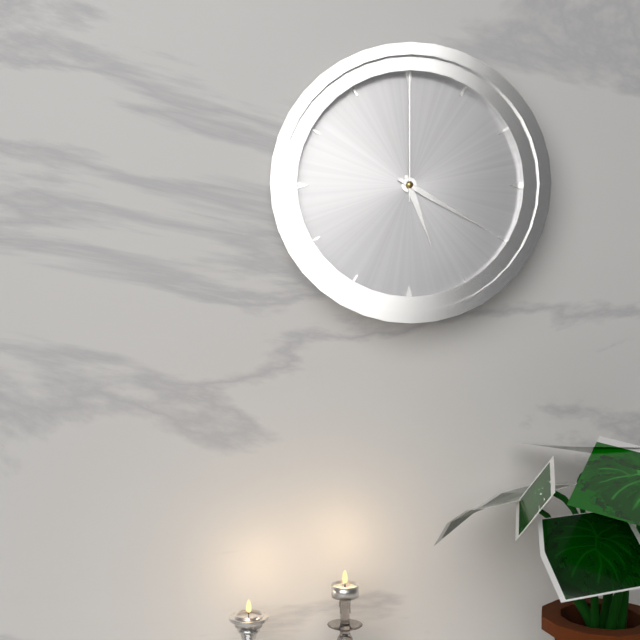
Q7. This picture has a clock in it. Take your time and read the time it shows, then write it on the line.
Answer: 5:20:00
